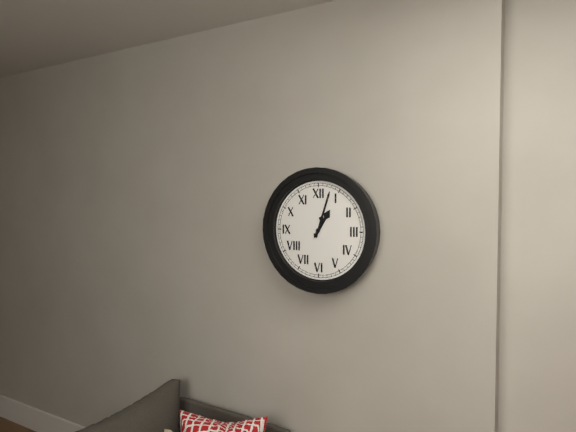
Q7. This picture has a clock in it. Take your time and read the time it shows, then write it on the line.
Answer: 1:03
